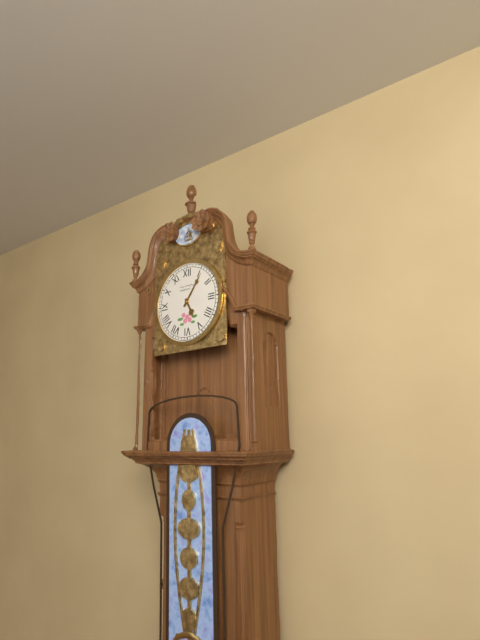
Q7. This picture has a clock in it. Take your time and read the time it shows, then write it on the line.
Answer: 5:06
